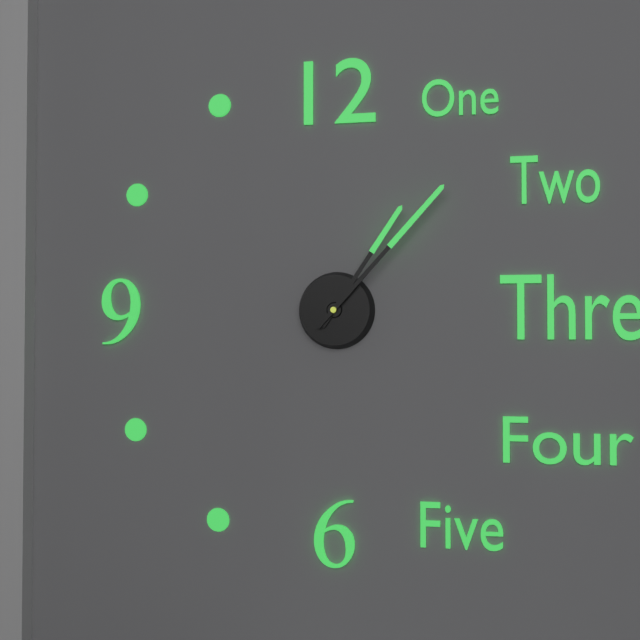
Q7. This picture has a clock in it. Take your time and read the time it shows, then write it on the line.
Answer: 1:07
